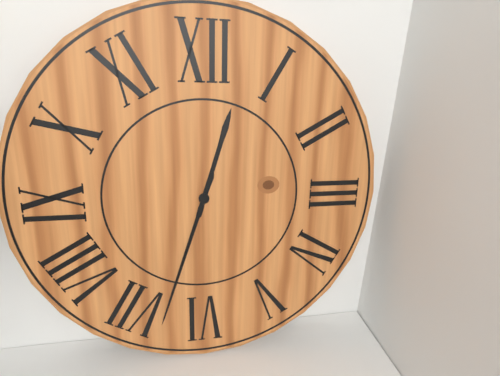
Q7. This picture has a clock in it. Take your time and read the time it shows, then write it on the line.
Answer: 12:33
